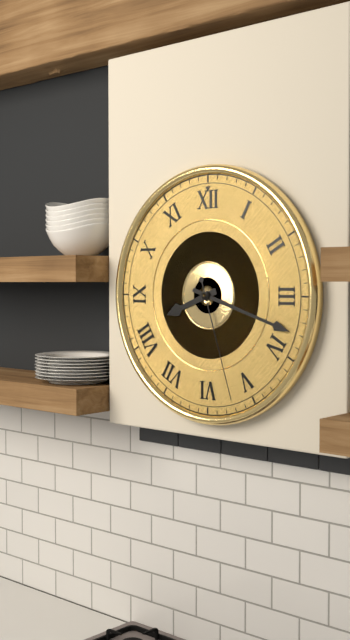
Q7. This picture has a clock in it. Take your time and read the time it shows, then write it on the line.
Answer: 8:18:27
